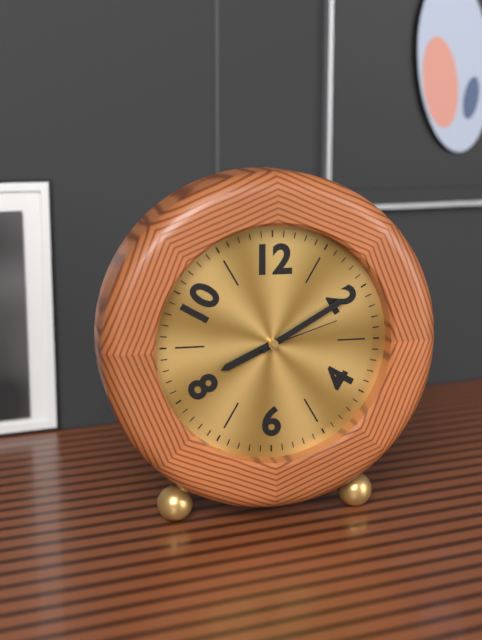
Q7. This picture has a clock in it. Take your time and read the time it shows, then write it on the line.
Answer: 8:10:12
